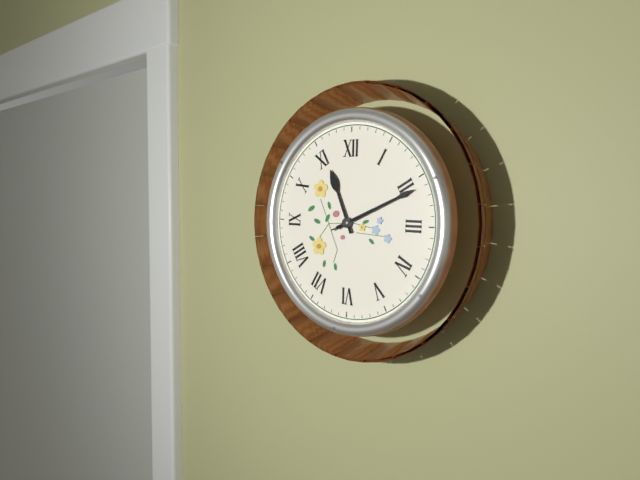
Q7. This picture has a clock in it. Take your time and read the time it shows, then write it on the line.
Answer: 11:11:11
